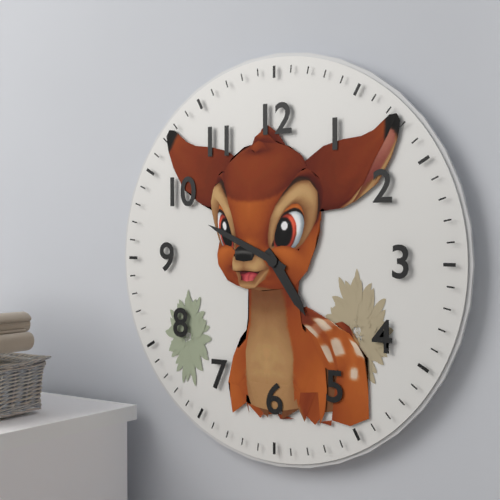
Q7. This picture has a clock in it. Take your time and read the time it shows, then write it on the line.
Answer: 4:49
